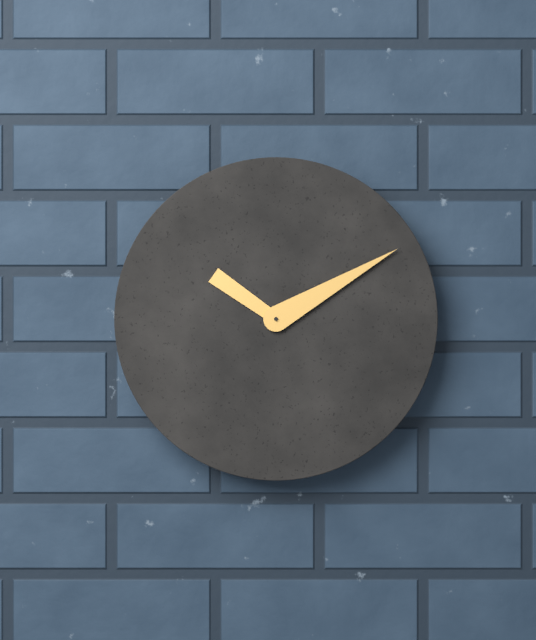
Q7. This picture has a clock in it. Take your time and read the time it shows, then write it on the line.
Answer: 10:10
